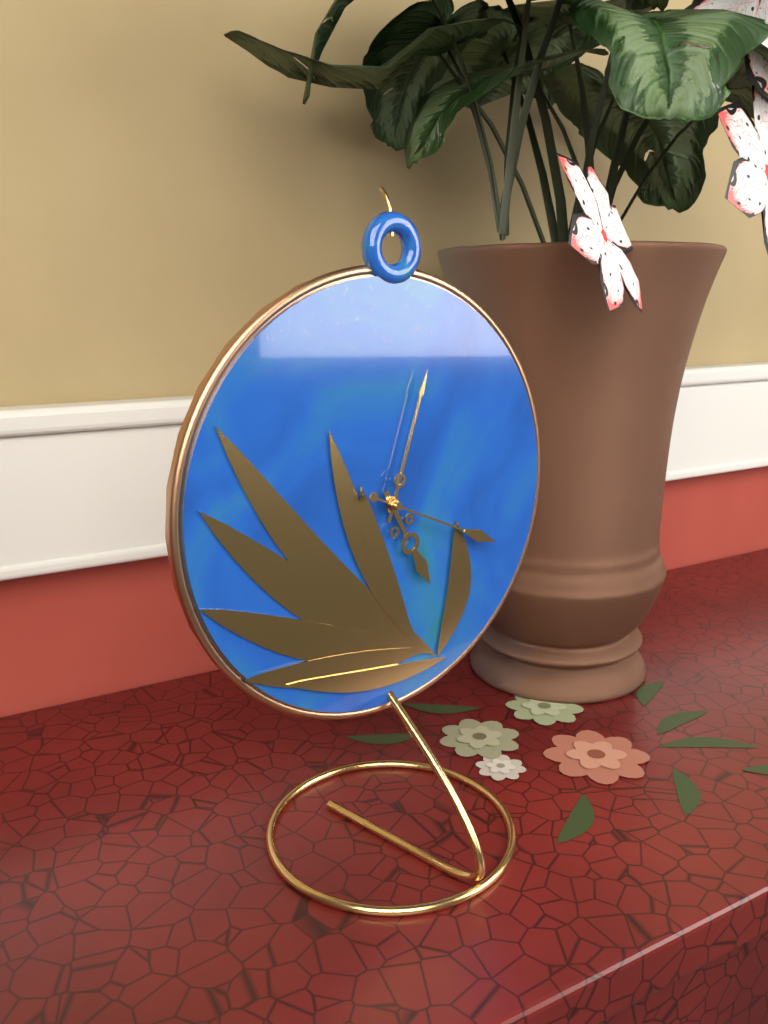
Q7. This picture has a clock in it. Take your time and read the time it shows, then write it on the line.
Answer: 5:03:19
